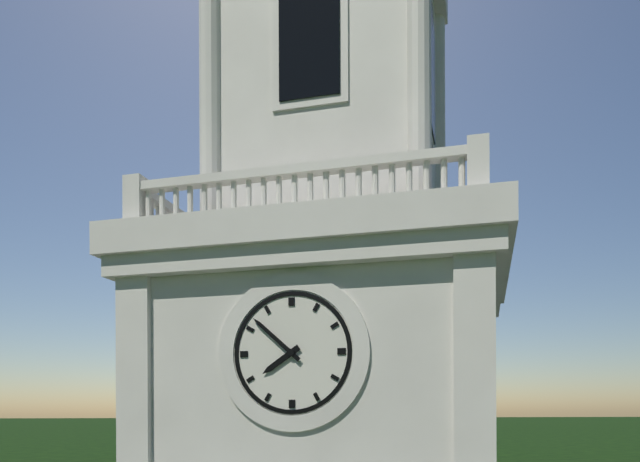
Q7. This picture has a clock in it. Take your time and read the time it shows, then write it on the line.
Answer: 7:52
